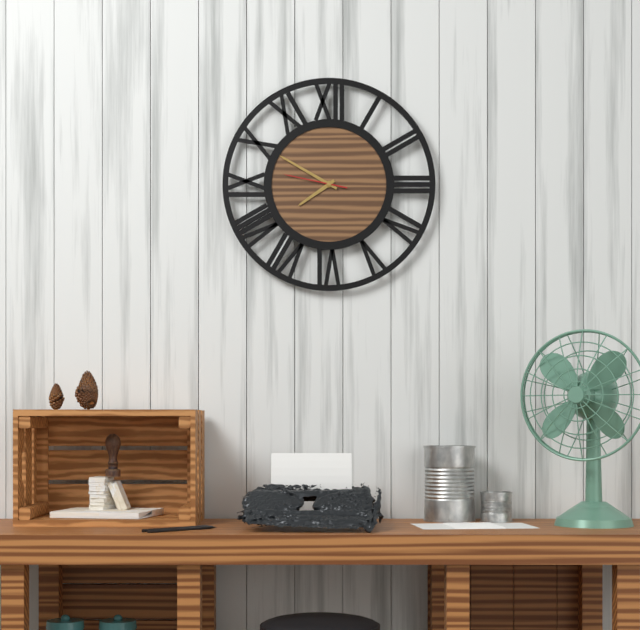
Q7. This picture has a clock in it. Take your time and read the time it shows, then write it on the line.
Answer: 7:50:47
